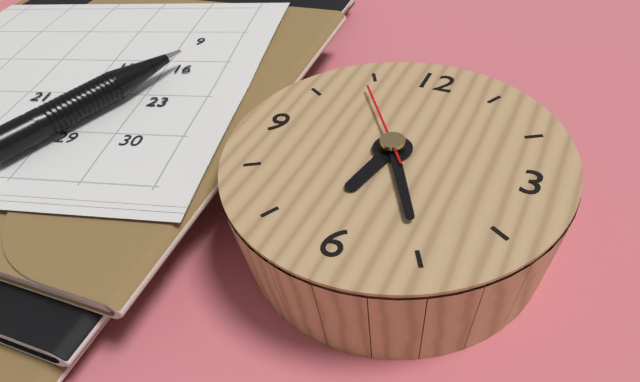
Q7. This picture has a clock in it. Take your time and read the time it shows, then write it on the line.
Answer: 6:25:54
